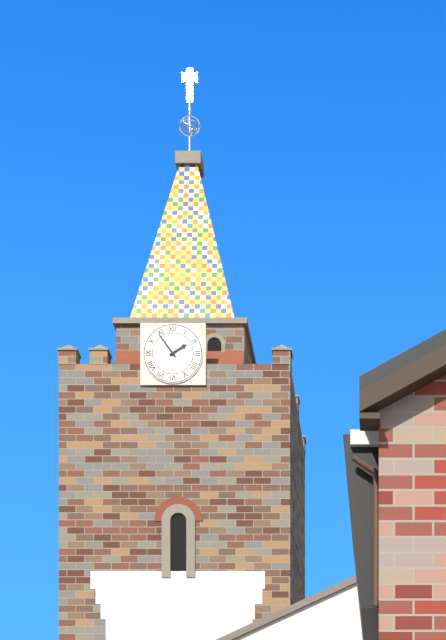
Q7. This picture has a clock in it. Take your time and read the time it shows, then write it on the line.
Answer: 1:54
